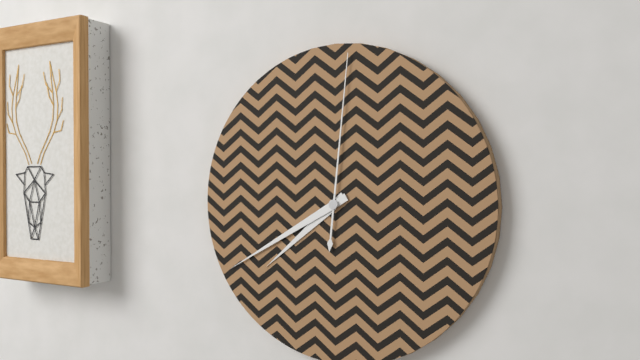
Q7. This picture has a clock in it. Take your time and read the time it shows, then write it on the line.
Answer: 7:40:01
